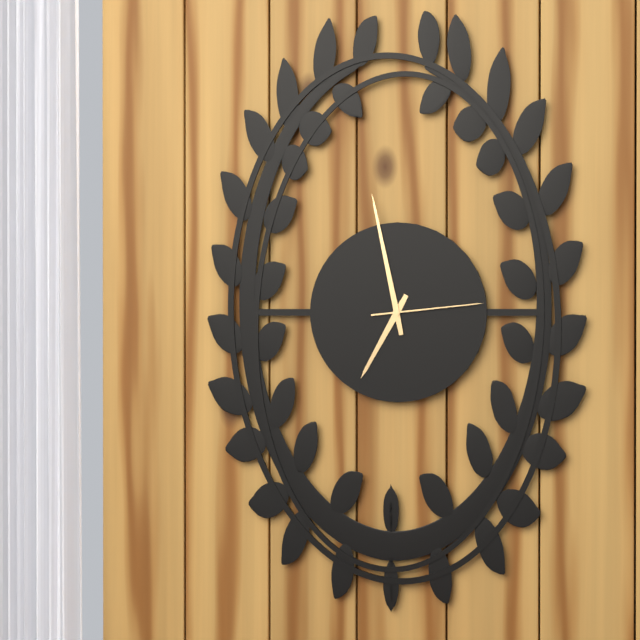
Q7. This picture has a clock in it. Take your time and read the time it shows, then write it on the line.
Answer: 6:58:14
